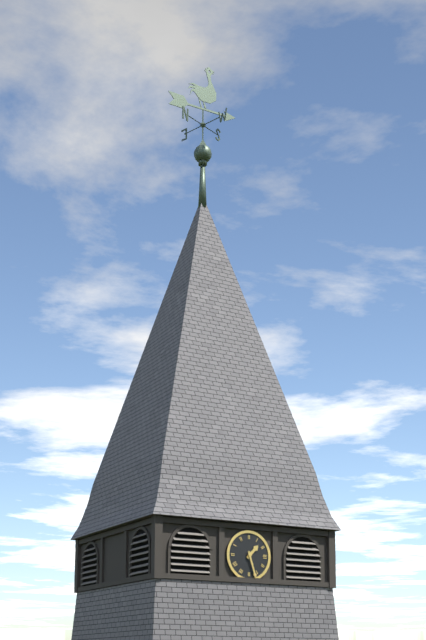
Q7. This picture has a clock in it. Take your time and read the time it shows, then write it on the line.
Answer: 1:27
